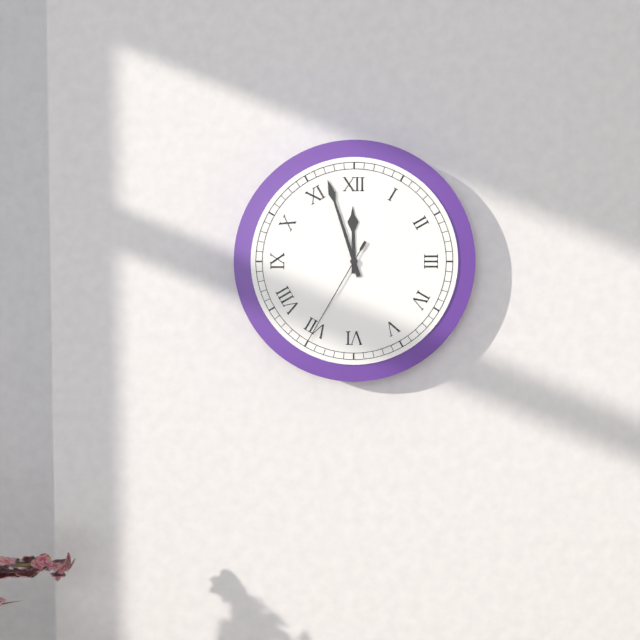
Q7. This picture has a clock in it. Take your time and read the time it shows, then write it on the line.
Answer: 11:57:35
